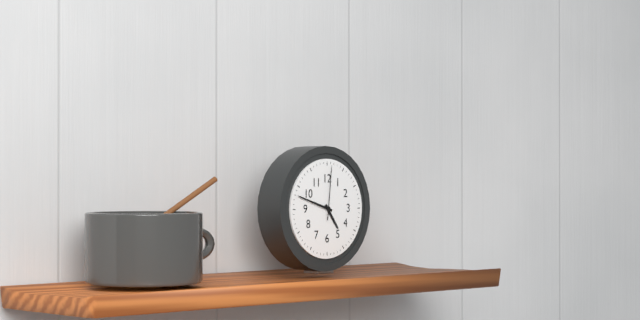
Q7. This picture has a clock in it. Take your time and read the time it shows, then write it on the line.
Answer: 4:48:01
